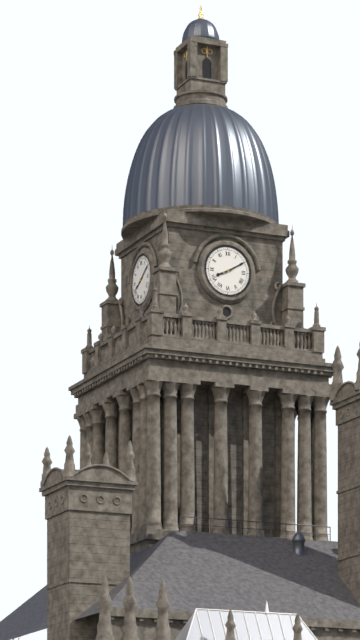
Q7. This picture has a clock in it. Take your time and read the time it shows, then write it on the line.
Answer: 8:10
